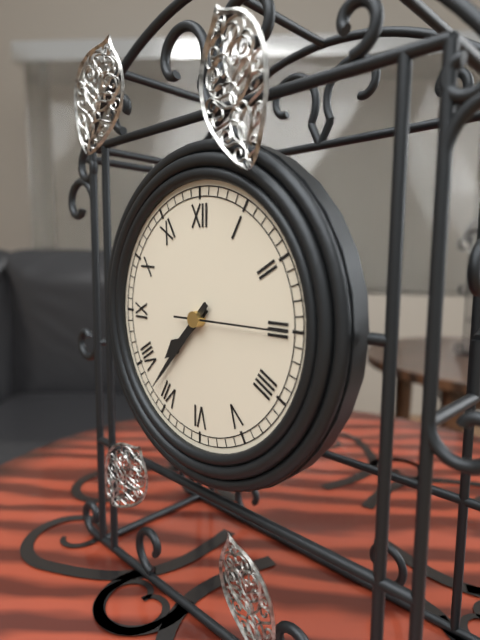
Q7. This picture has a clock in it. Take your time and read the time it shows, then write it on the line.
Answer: 7:37:15
